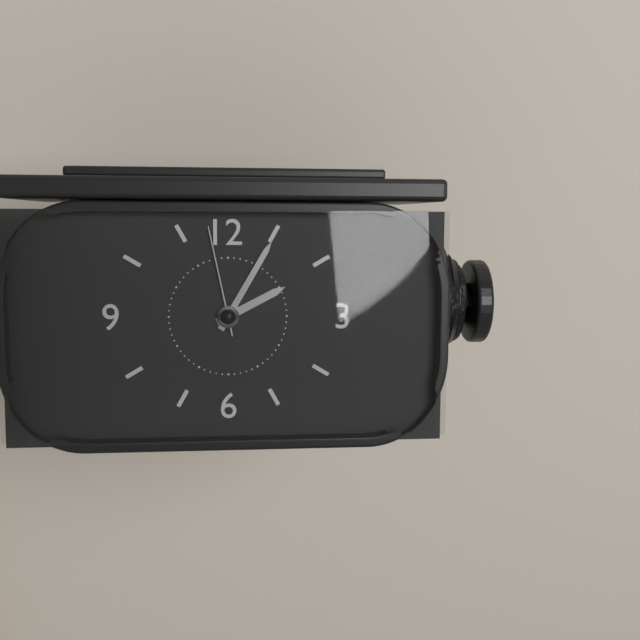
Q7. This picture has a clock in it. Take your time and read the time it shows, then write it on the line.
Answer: 2:05:58
